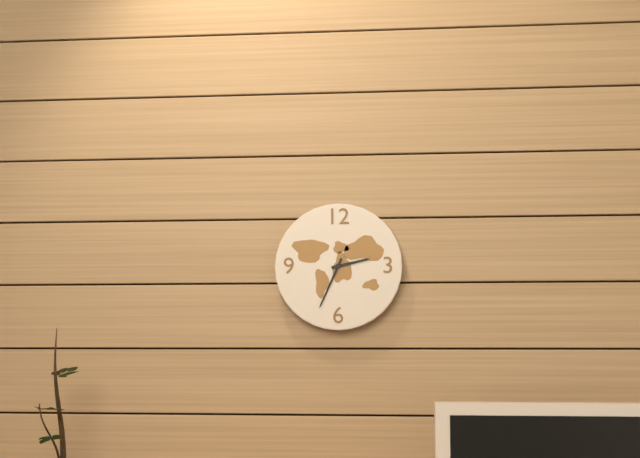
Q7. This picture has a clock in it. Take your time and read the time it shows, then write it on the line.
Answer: 2:34
